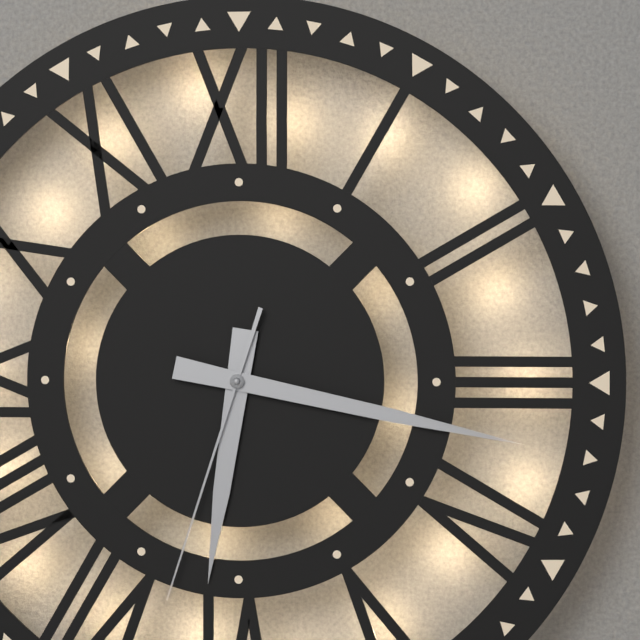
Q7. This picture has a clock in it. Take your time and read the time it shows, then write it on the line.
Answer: 6:17:33
